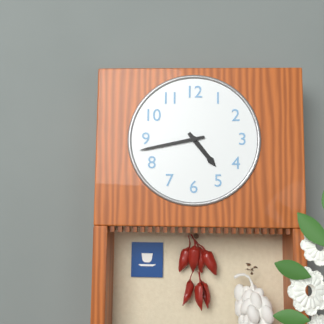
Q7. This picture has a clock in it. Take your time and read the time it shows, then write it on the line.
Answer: 4:43
